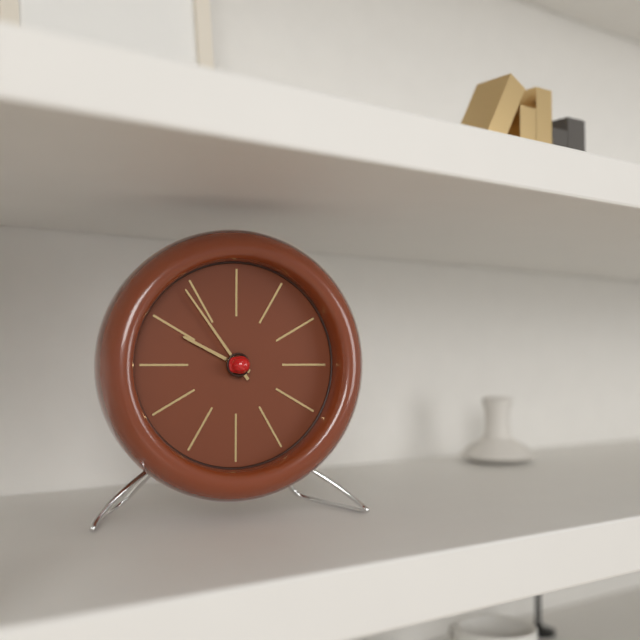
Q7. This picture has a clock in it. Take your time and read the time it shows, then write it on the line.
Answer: 9:54
